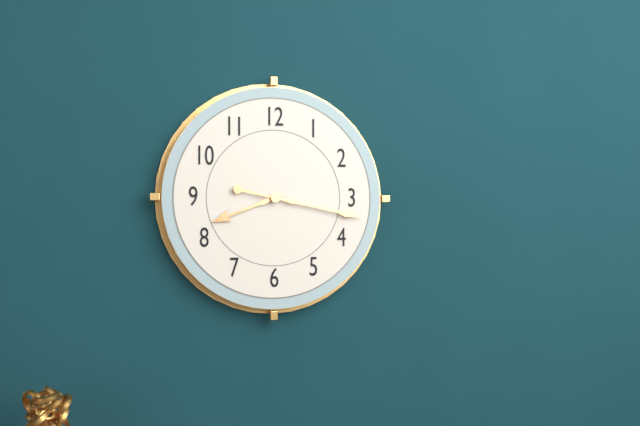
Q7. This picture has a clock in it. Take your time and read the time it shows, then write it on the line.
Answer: 8:17
